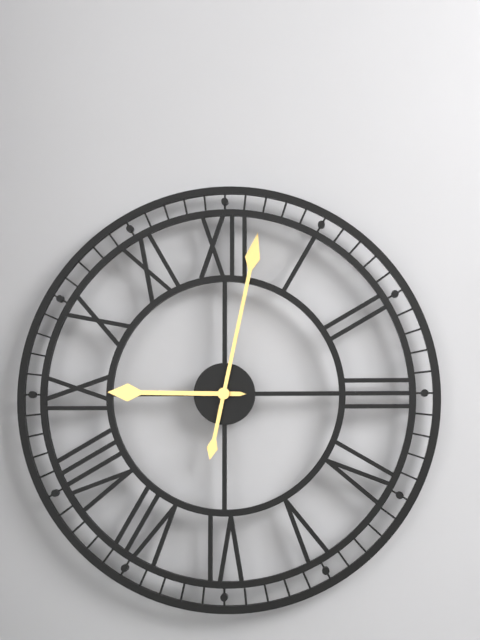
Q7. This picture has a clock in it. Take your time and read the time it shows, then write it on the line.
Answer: 9:02
